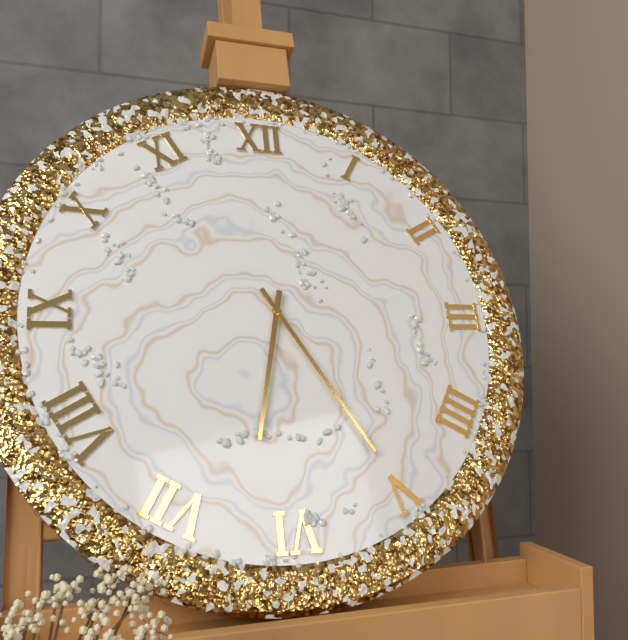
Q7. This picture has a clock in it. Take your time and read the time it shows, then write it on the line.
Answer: 6:25
